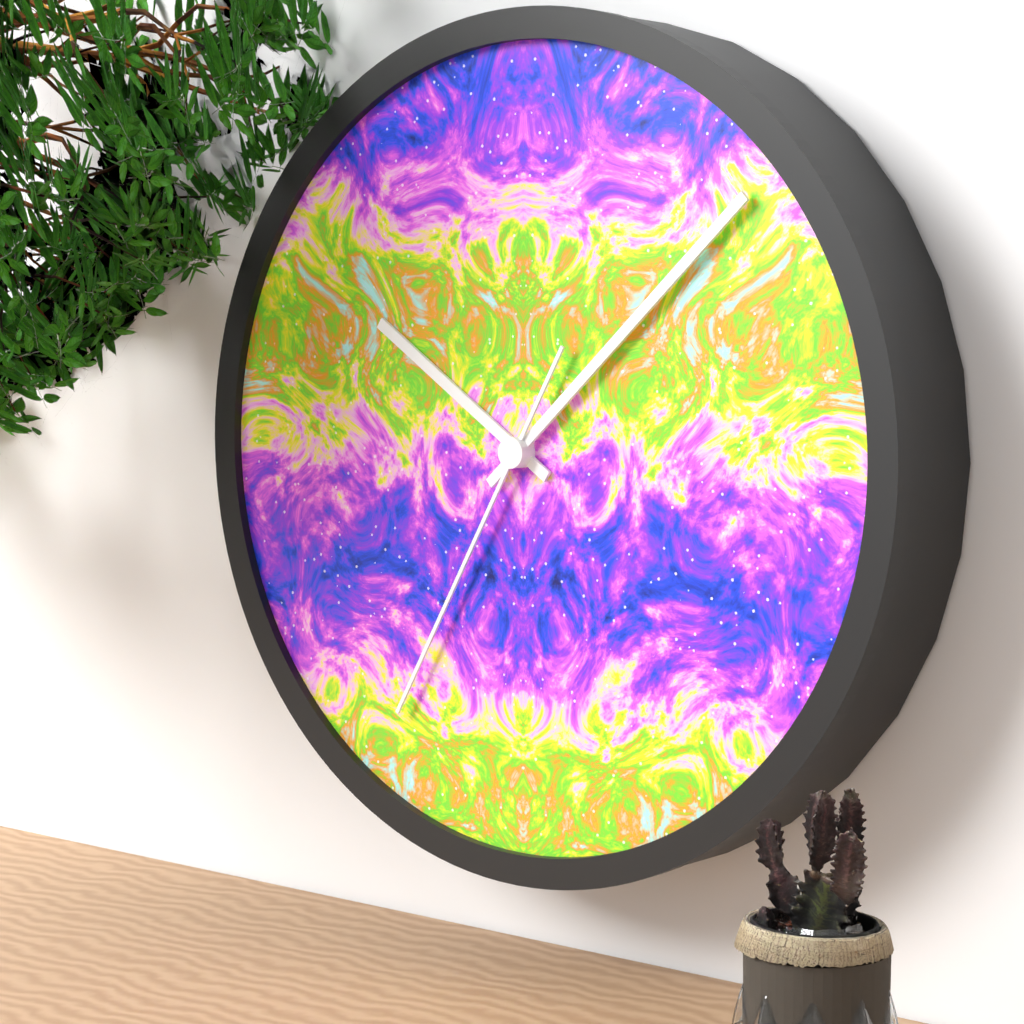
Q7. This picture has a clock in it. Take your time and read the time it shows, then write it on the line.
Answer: 10:08:35
